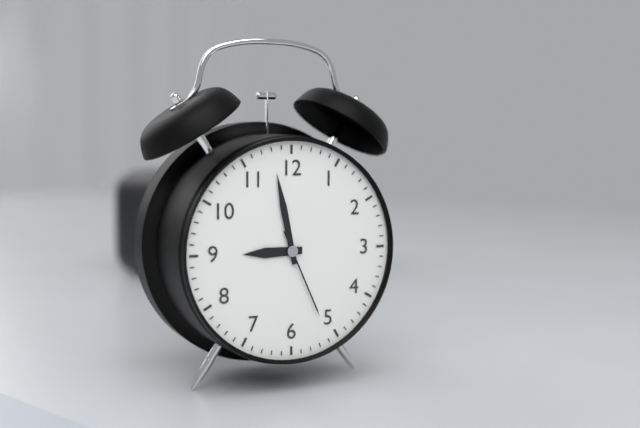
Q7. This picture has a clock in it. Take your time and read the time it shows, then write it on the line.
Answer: 8:58:26
